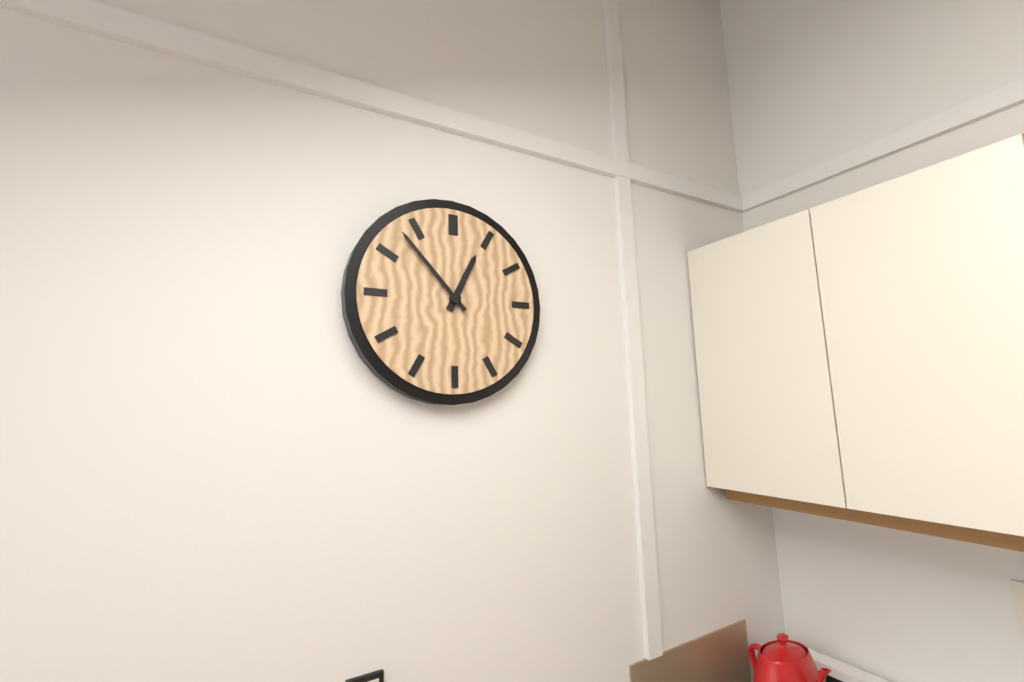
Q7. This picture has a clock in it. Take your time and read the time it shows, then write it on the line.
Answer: 12:53
